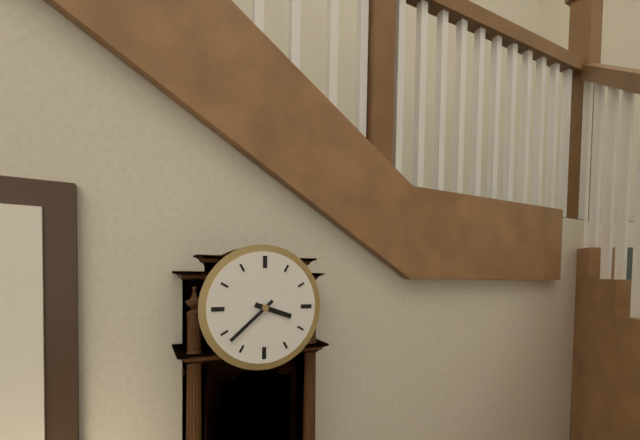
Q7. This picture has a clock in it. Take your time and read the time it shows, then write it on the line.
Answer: 3:38
